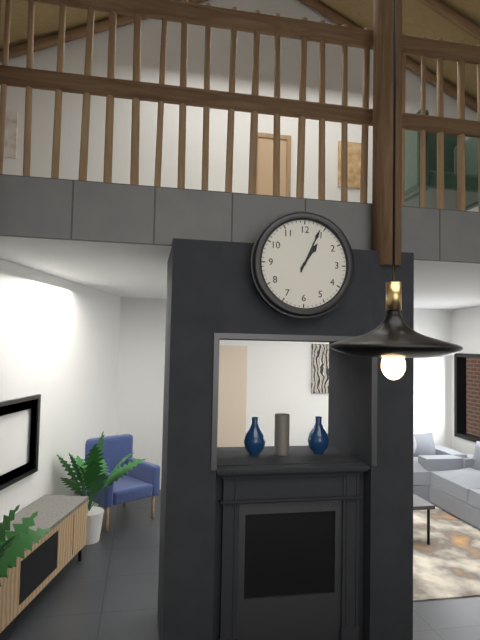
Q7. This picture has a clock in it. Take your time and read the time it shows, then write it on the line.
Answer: 1:04
